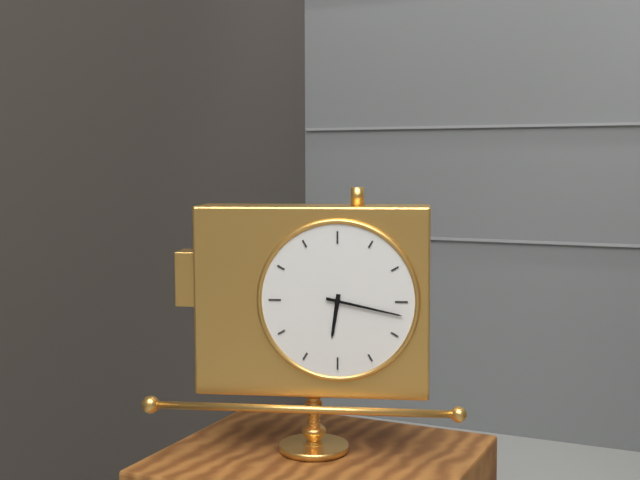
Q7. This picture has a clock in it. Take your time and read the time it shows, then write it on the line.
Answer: 6:17
